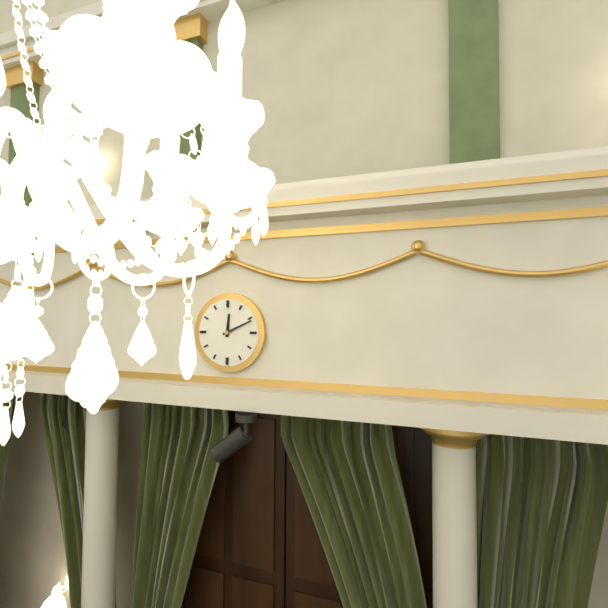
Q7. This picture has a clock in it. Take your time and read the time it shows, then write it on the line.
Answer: 12:11
